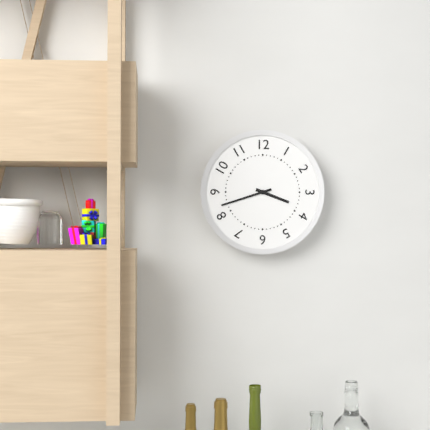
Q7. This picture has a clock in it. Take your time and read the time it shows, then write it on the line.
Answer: 3:42
